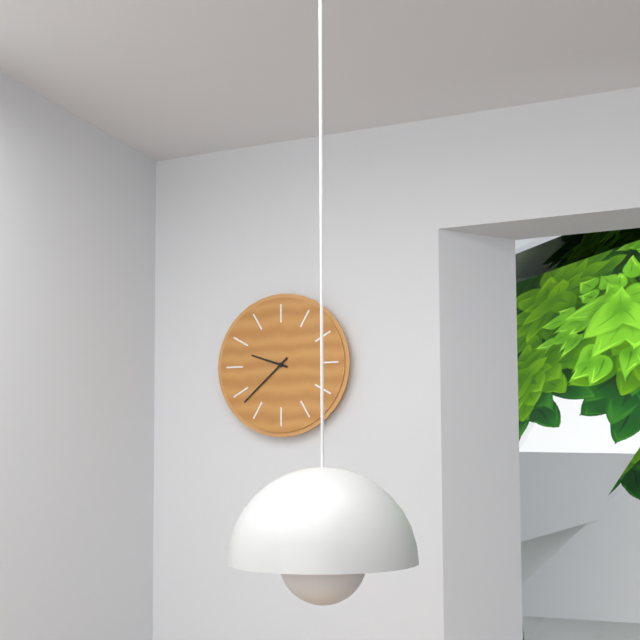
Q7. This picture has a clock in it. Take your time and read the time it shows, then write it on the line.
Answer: 9:38
